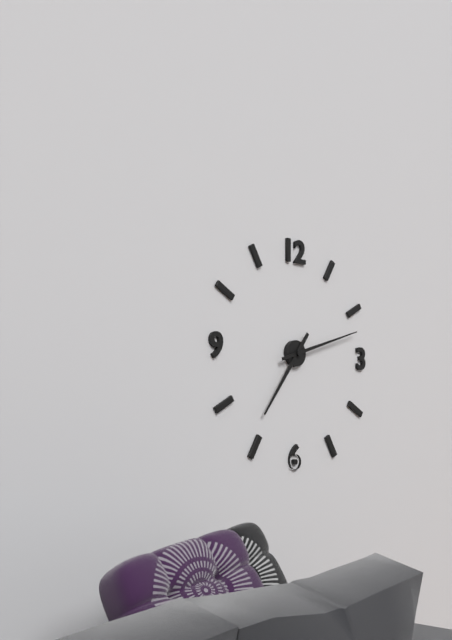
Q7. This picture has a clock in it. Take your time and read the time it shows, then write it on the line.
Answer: 7:12
